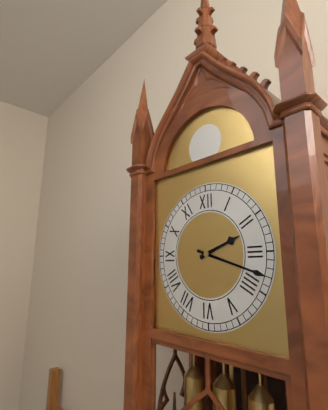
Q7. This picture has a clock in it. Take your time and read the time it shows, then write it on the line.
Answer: 2:18
